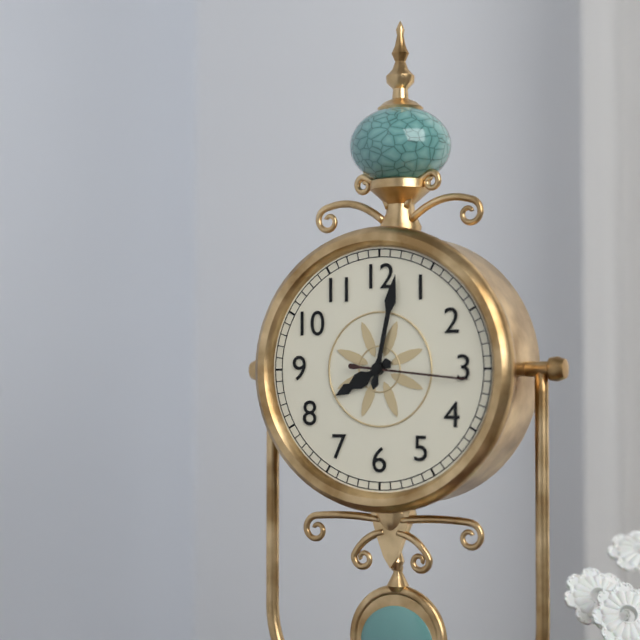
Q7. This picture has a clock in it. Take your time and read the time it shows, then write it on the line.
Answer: 8:02:16
